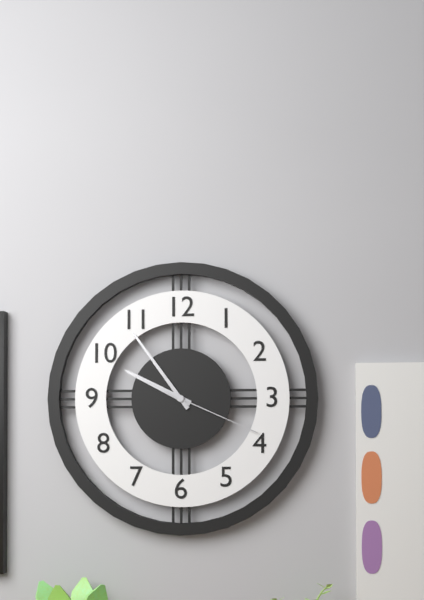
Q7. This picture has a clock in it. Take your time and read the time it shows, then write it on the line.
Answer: 9:54:19
